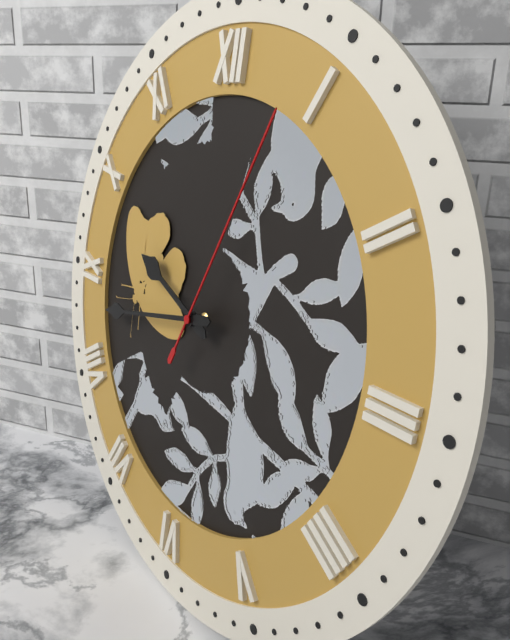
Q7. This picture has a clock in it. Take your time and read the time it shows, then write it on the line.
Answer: 9:43:04
